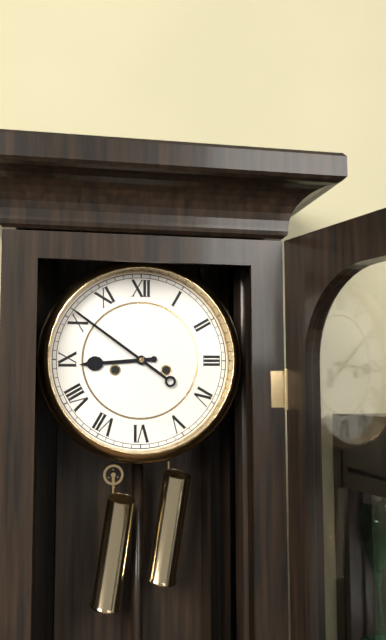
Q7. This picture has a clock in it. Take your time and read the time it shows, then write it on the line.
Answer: 8:51
